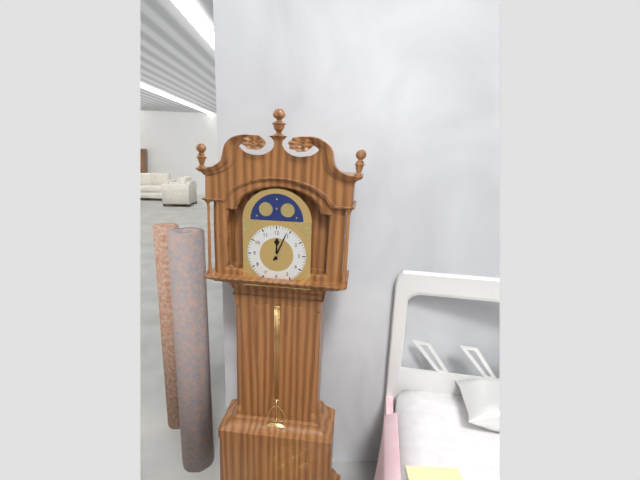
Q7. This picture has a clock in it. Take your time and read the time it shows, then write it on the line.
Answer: 12:04
